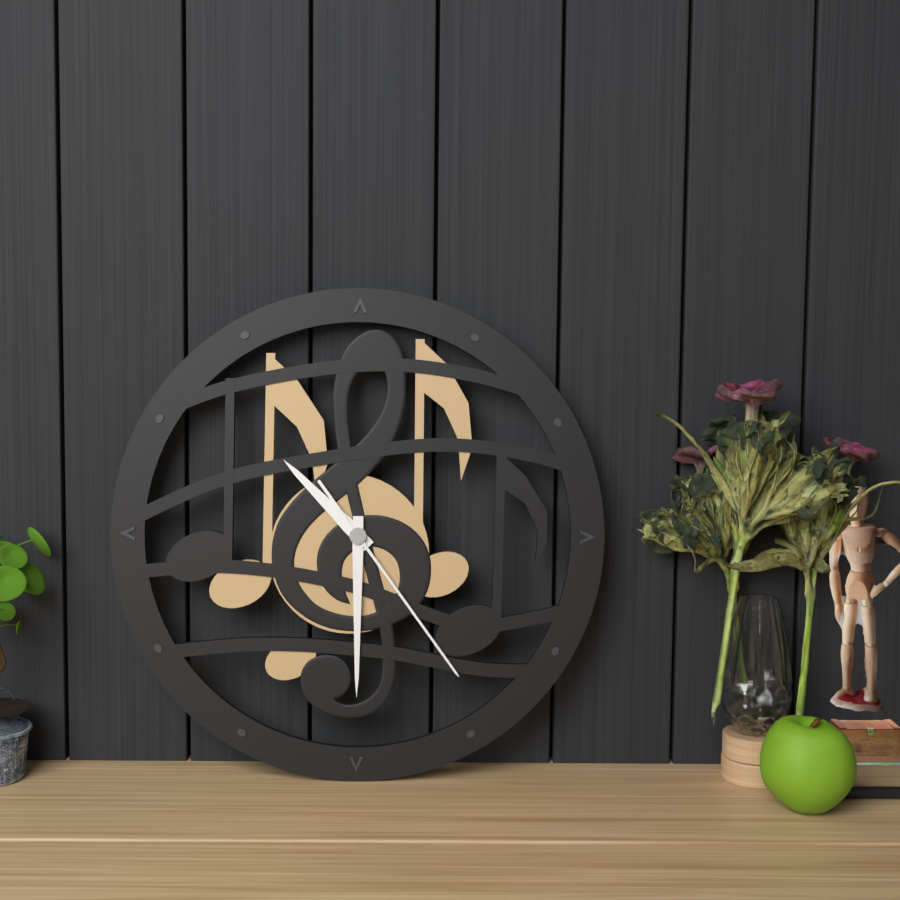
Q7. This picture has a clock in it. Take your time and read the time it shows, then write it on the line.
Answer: 10:30:24
